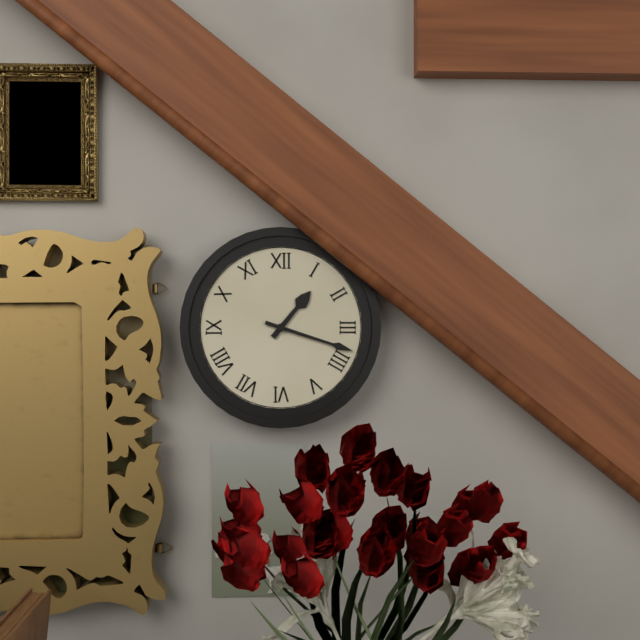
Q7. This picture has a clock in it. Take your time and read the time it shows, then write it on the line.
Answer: 1:18
